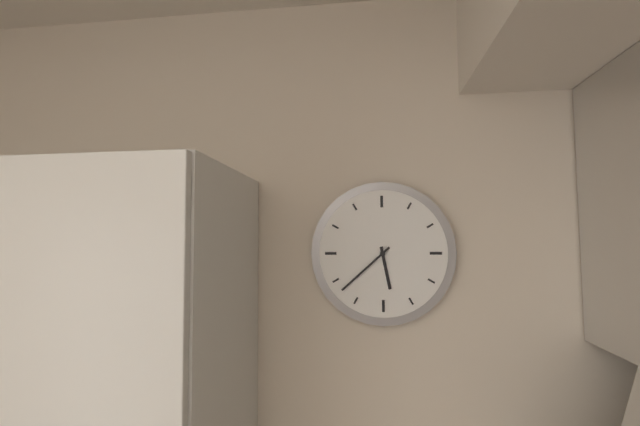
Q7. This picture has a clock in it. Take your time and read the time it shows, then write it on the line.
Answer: 5:38
